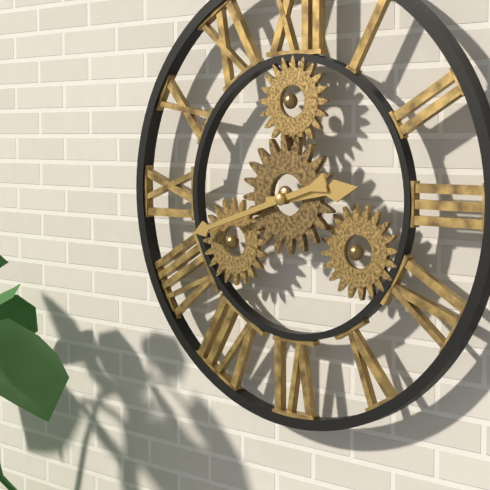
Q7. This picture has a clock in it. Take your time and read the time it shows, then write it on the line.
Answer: 2:42
